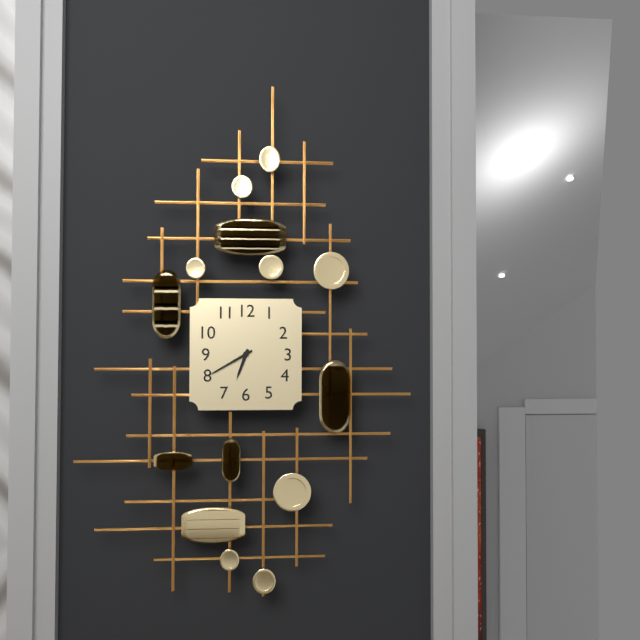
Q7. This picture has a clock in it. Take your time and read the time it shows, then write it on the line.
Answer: 6:40
